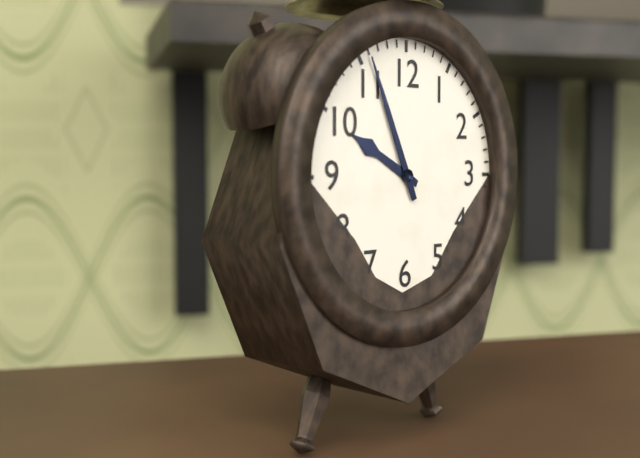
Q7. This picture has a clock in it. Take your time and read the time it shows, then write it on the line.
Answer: 9:56
